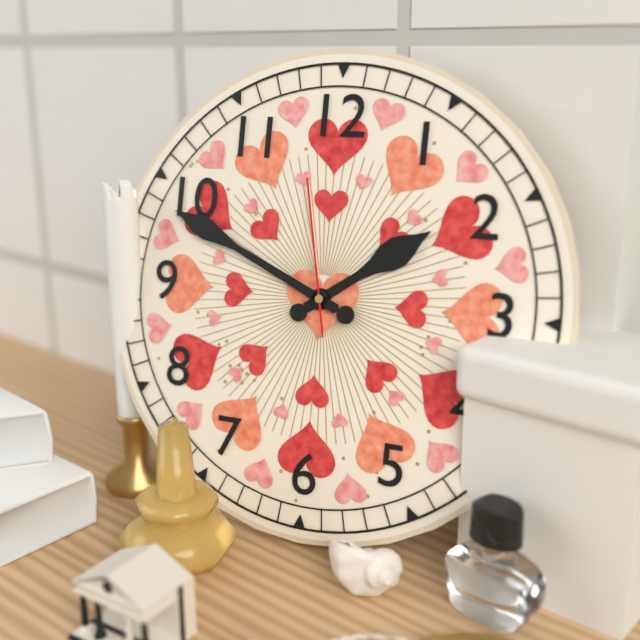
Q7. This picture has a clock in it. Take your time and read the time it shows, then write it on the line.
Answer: 1:49:58
